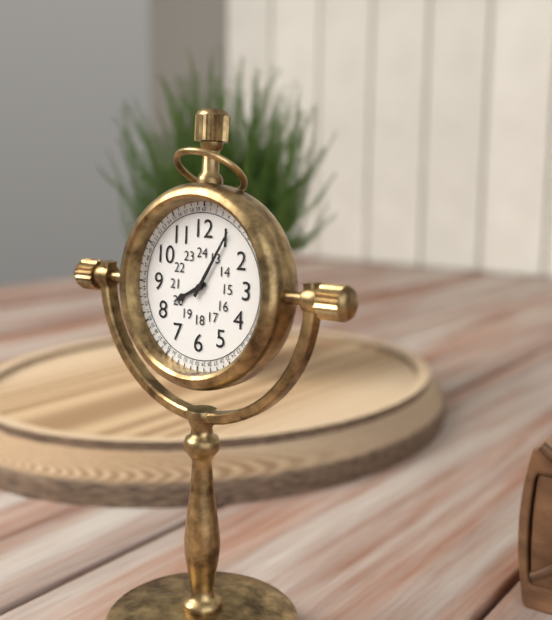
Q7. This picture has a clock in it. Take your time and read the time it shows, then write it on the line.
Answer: 8:05
